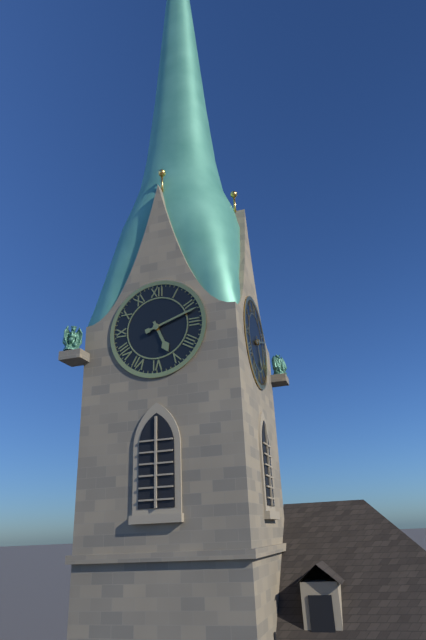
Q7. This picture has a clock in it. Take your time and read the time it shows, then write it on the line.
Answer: 5:12
